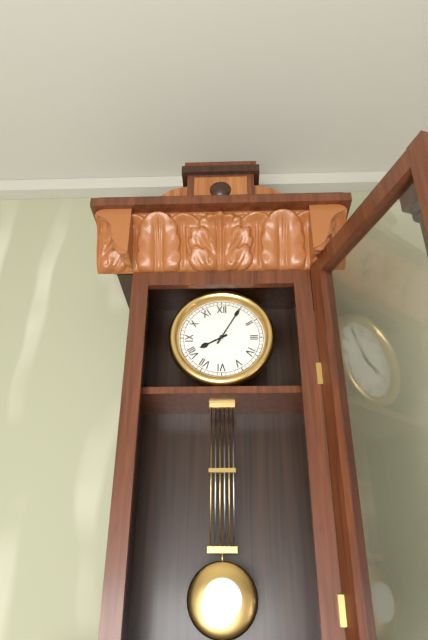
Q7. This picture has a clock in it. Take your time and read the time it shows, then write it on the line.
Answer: 8:05
